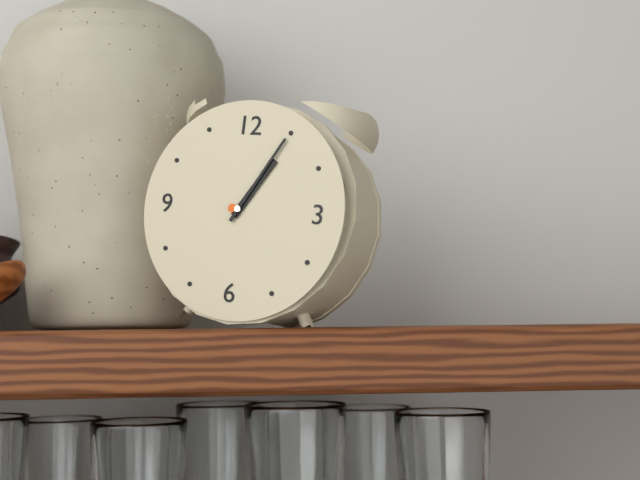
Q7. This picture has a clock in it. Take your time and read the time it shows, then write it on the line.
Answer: 1:05
